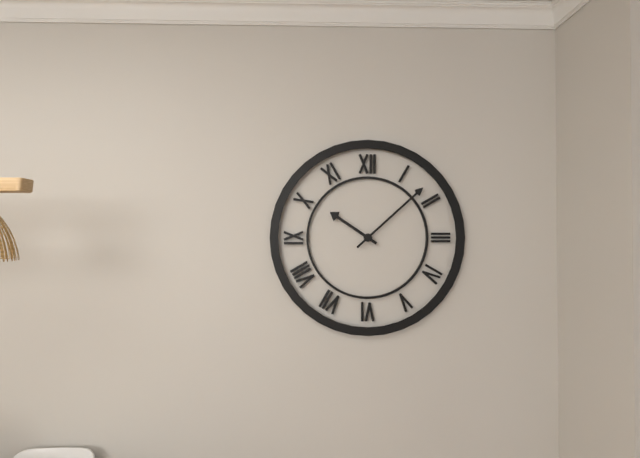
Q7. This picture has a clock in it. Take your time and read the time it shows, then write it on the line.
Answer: 10:08
